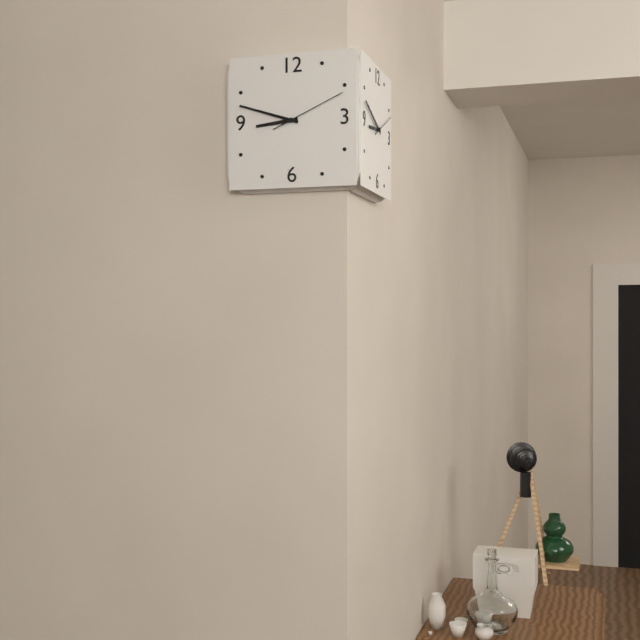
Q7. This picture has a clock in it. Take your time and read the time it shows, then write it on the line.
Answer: 8:48:11
